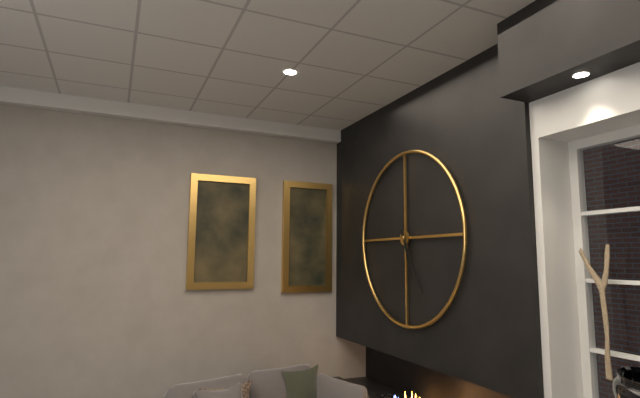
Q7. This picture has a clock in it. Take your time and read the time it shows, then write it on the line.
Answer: 5:25
